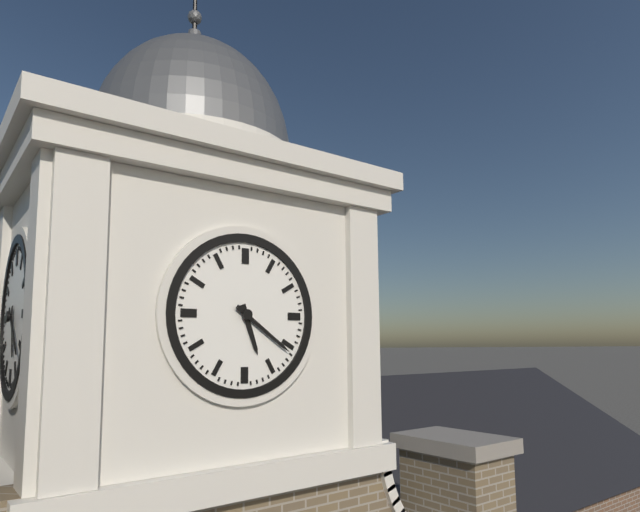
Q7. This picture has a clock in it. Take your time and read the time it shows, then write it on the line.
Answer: 5:21
